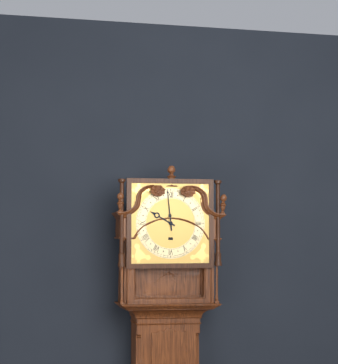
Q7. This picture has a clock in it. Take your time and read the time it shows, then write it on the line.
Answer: 9:59
